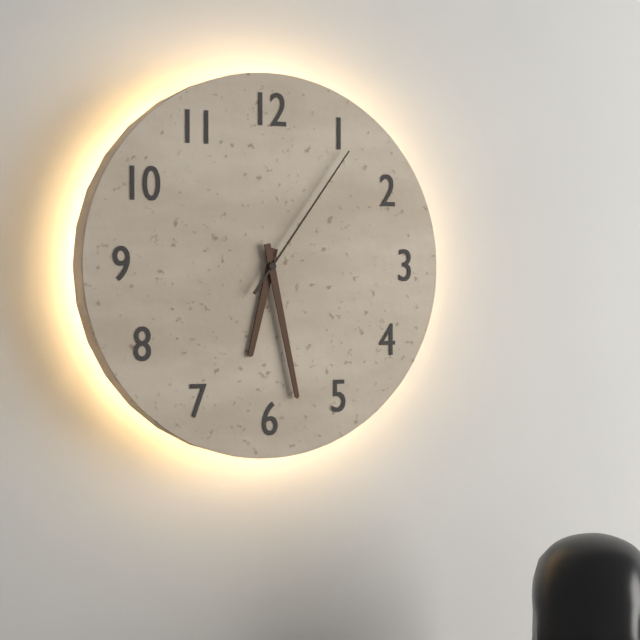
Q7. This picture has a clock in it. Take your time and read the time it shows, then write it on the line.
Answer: 6:28:06
